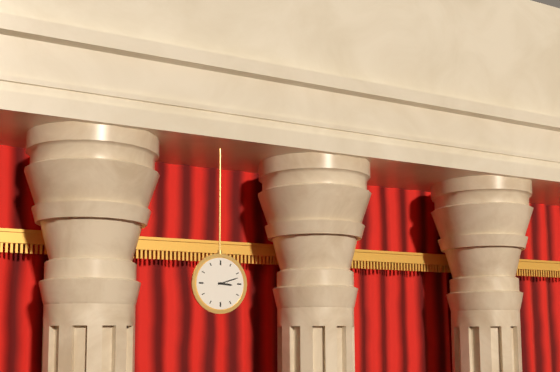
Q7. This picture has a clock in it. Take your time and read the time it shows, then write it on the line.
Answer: 3:12
